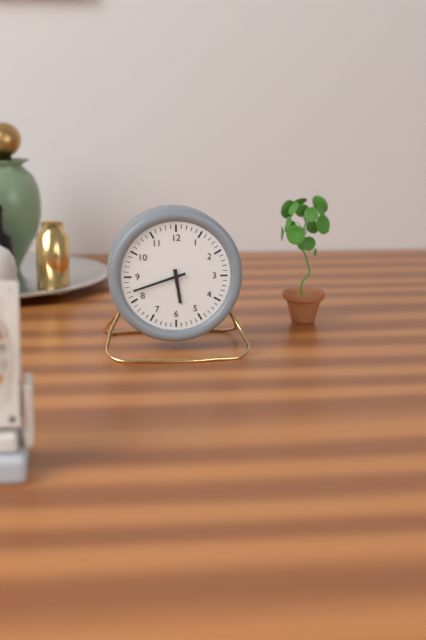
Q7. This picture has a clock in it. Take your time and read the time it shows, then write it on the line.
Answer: 5:42
